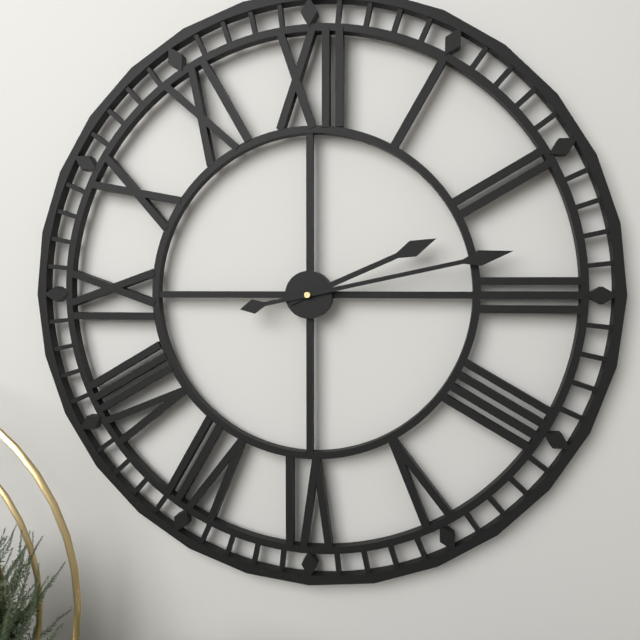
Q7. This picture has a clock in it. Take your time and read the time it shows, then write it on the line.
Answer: 2:13
